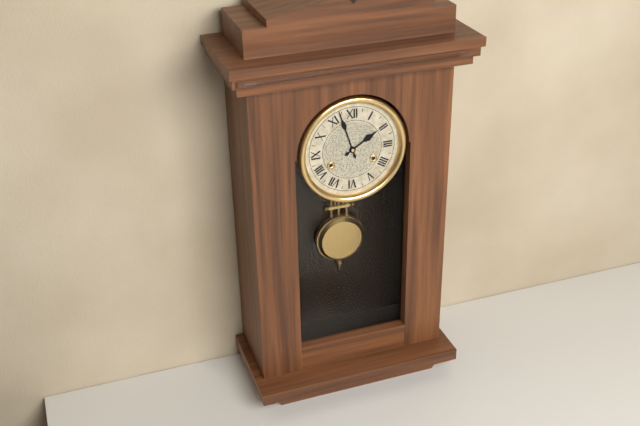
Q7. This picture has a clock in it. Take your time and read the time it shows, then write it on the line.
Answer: 1:57
